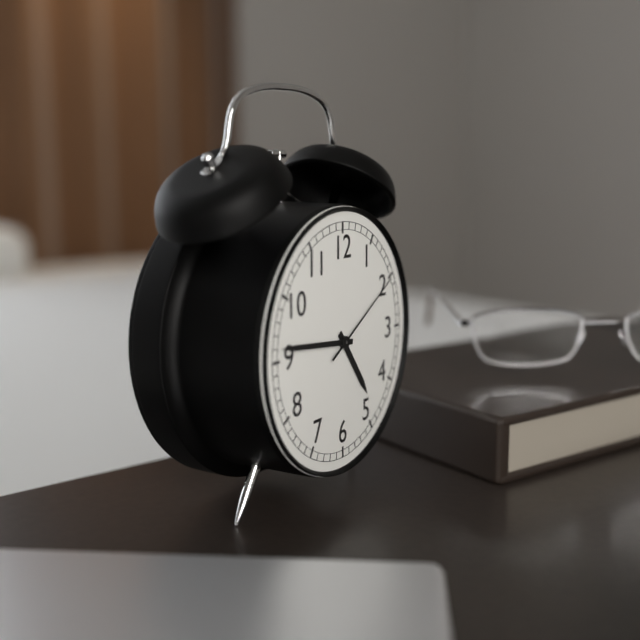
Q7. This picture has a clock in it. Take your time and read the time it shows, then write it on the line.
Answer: 4:46:10
